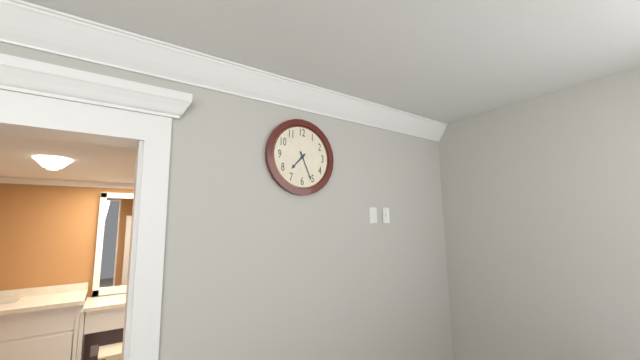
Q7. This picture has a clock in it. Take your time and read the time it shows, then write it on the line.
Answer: 7:26
